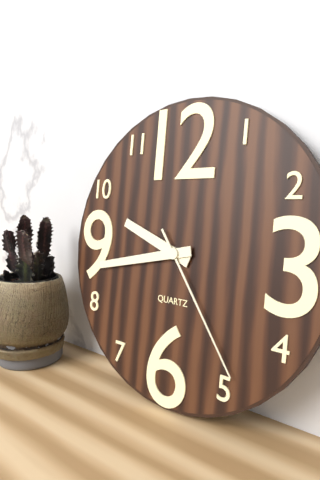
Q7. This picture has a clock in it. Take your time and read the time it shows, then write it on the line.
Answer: 9:43:24
